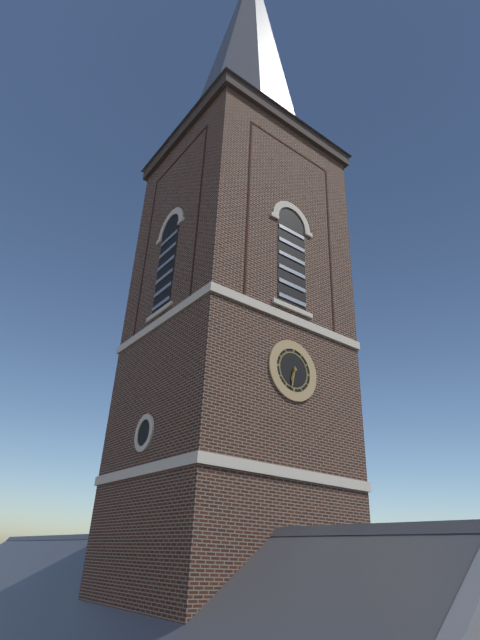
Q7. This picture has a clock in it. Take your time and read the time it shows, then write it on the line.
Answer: 6:32
